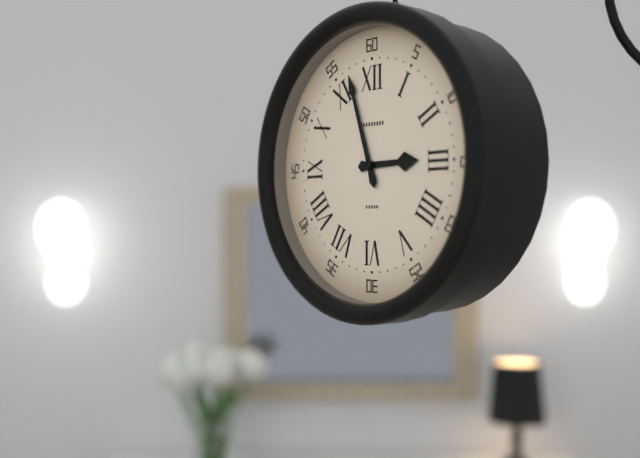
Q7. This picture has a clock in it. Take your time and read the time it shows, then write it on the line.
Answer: 2:57
